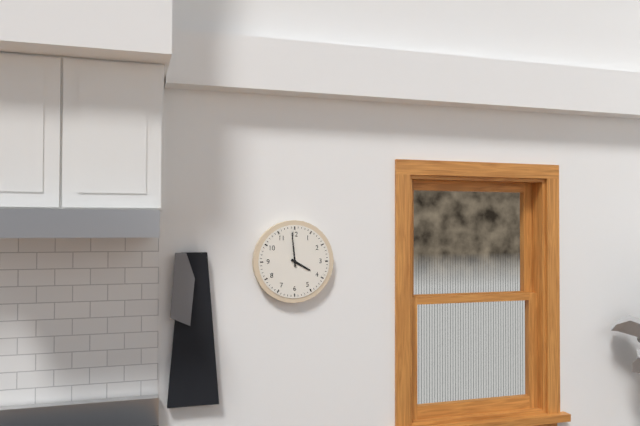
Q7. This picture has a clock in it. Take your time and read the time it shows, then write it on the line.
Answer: 3:59
